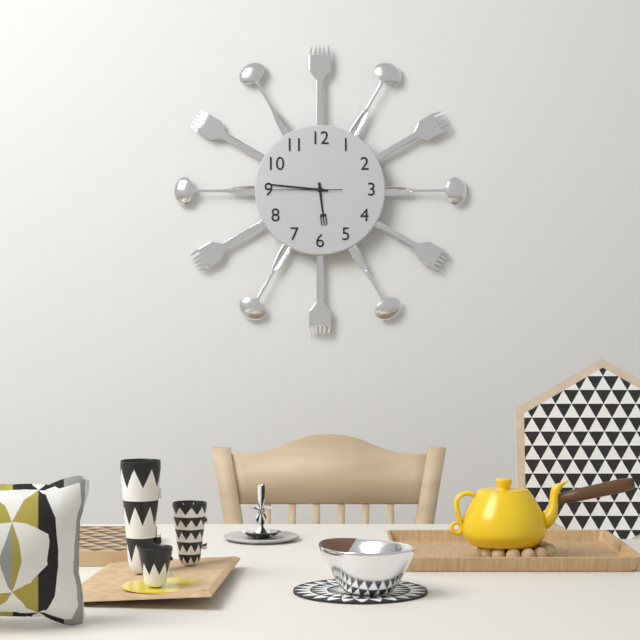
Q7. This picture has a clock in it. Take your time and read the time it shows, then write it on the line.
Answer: 5:46:45
